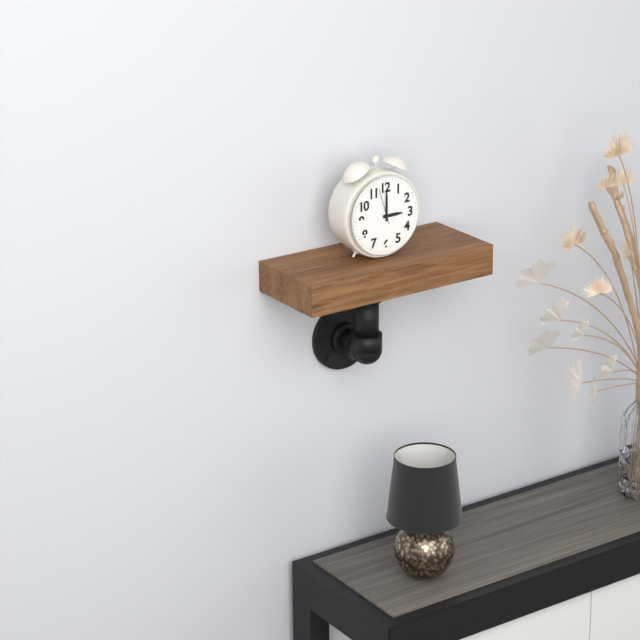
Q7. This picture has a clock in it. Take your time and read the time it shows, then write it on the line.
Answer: 3:00
